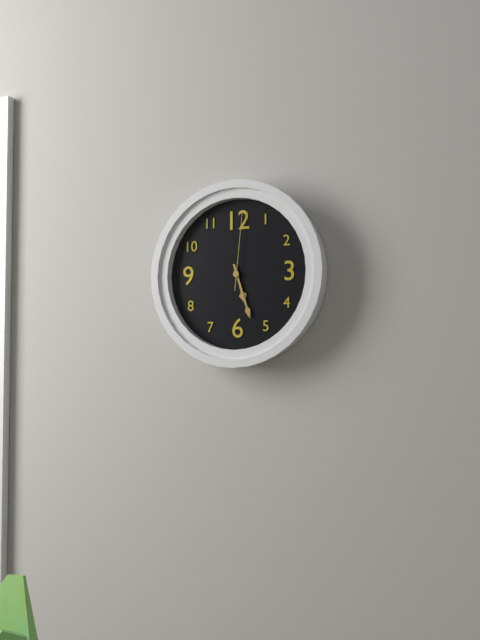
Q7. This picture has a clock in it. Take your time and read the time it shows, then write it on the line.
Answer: 5:27:01
